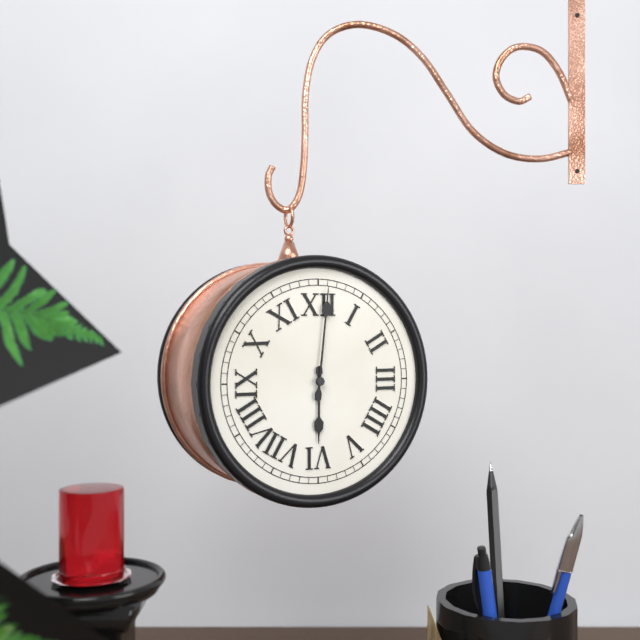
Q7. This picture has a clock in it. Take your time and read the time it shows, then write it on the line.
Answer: 6:01
